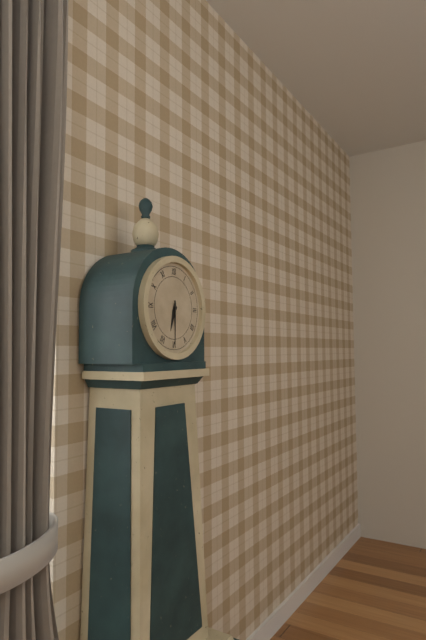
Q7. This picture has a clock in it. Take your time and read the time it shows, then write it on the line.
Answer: 6:30
